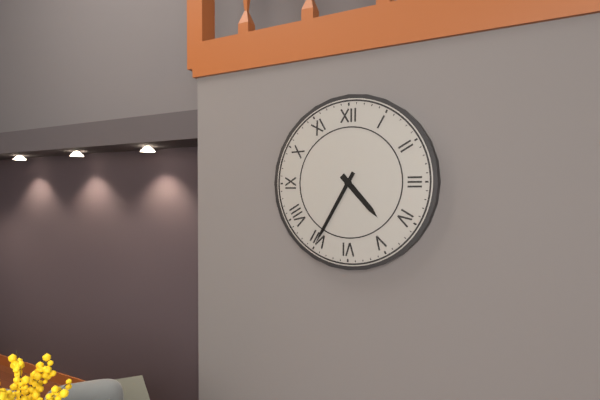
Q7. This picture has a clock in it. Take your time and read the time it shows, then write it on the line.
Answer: 4:35
